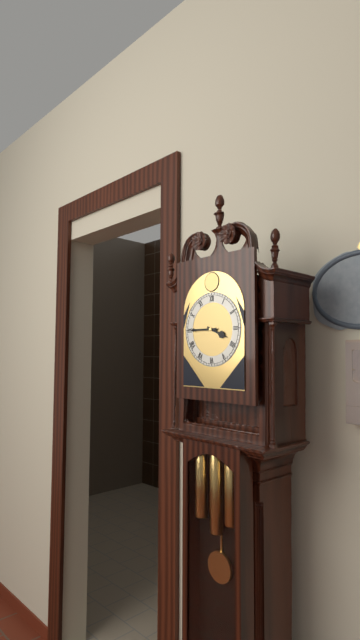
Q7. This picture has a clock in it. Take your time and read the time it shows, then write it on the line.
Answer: 3:45
